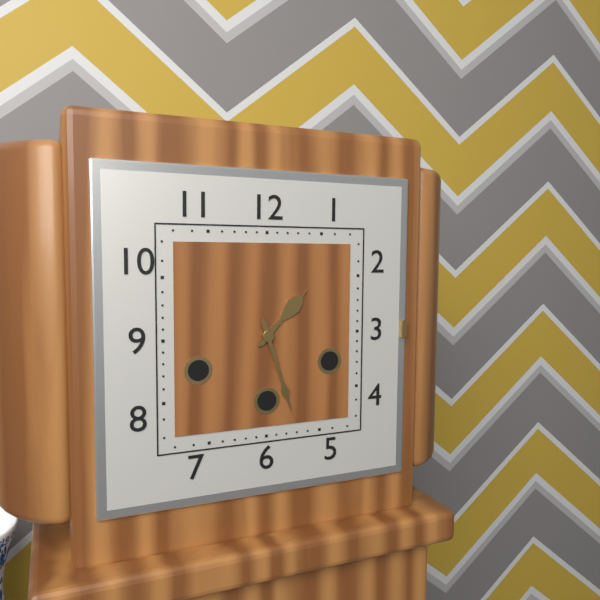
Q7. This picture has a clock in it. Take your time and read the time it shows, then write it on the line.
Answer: 1:27
